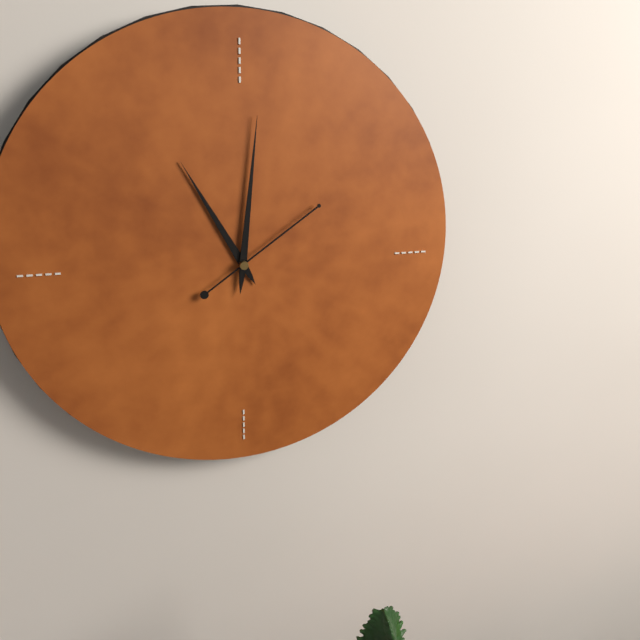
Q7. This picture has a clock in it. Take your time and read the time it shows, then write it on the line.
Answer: 11:01:09
